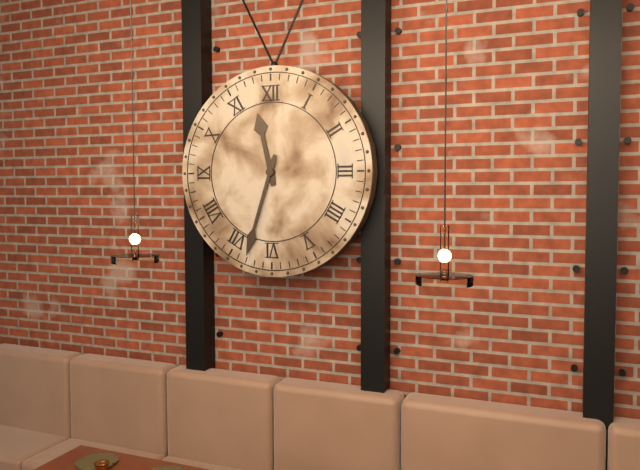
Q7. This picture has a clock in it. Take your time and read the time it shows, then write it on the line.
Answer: 11:33
